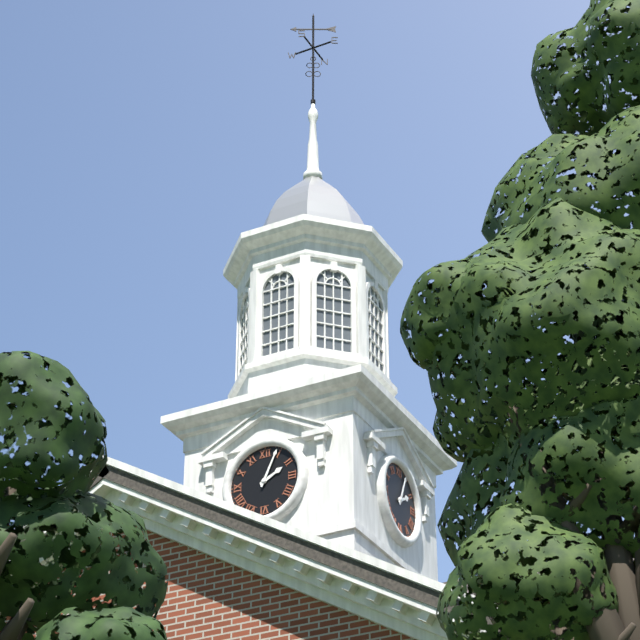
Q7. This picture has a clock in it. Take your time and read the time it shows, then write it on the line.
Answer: 2:04
